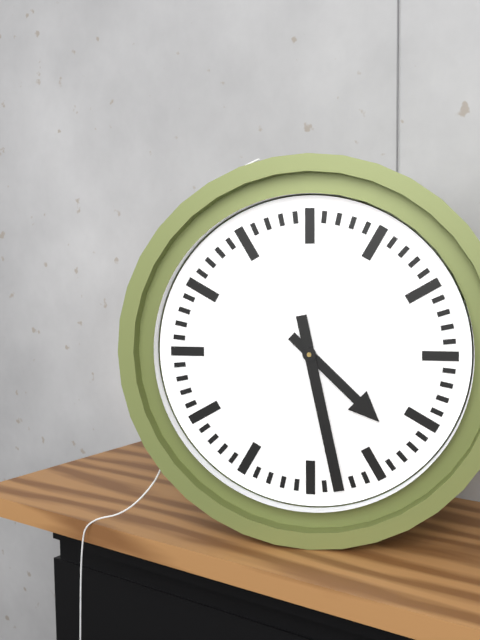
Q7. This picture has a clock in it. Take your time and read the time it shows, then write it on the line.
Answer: 4:28
